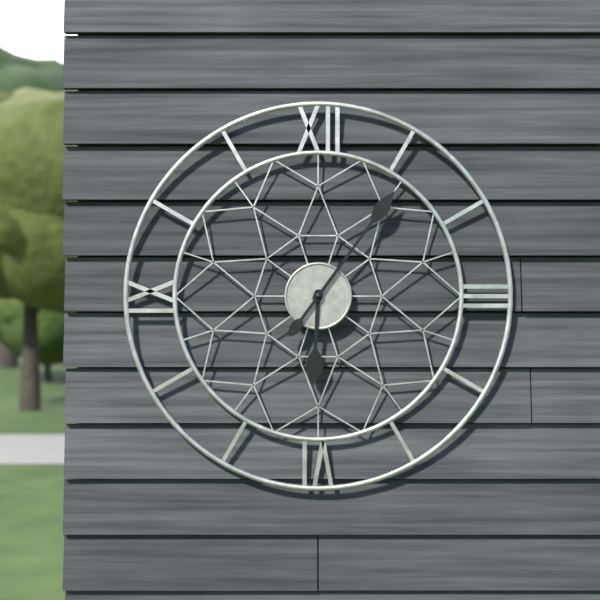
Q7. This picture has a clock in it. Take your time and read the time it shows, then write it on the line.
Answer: 6:06
